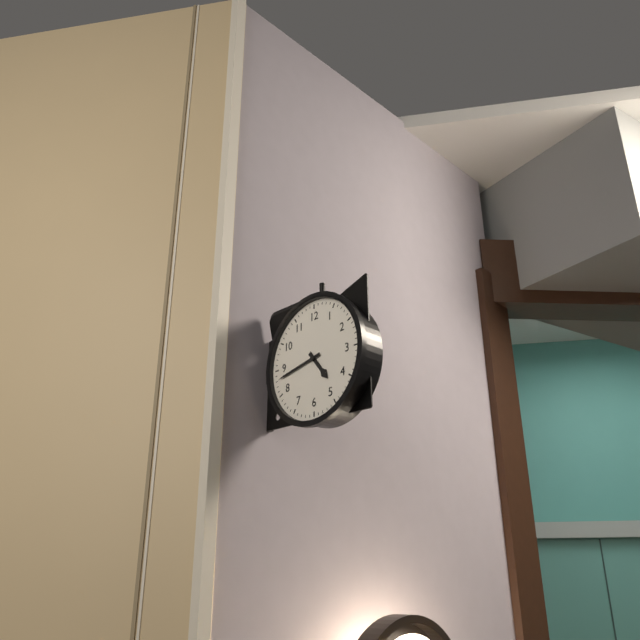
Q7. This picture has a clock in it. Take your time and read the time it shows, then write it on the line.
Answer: 4:43
